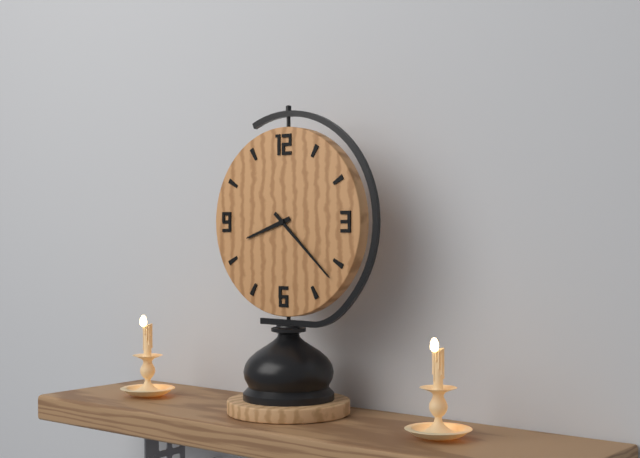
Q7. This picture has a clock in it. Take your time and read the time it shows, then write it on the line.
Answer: 8:22
